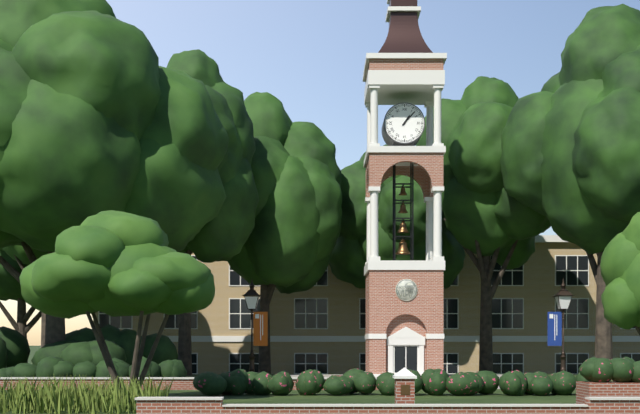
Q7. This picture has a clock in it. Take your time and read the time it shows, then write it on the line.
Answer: 1:07
